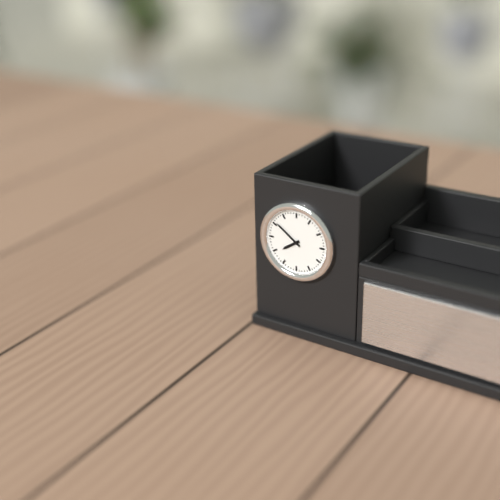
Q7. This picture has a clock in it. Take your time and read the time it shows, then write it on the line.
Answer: 7:51
